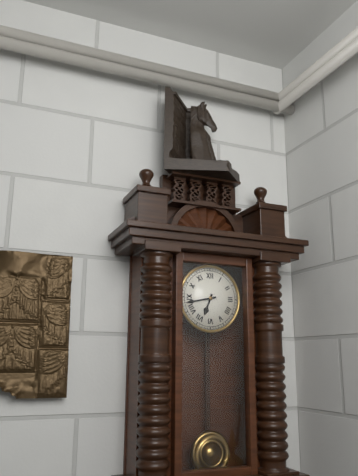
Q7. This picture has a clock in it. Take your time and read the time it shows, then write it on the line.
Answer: 6:43
